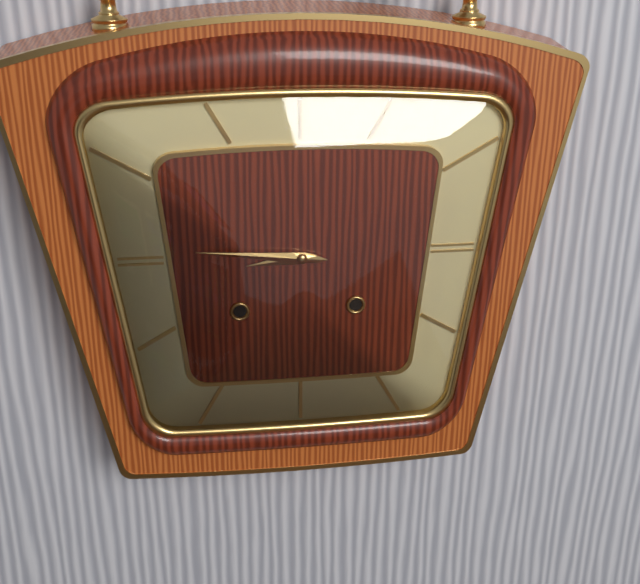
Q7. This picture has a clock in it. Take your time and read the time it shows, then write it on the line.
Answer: 8:46
